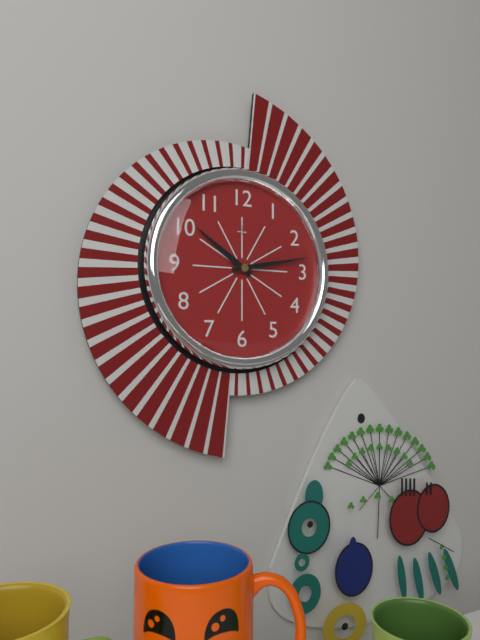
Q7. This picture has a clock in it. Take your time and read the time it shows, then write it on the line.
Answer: 10:13
